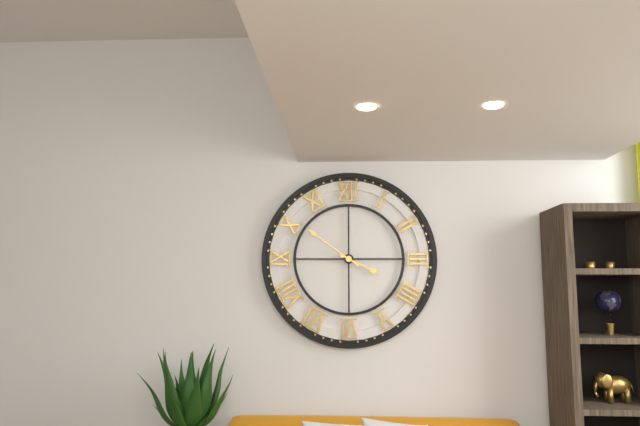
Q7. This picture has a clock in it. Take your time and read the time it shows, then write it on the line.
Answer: 3:51
